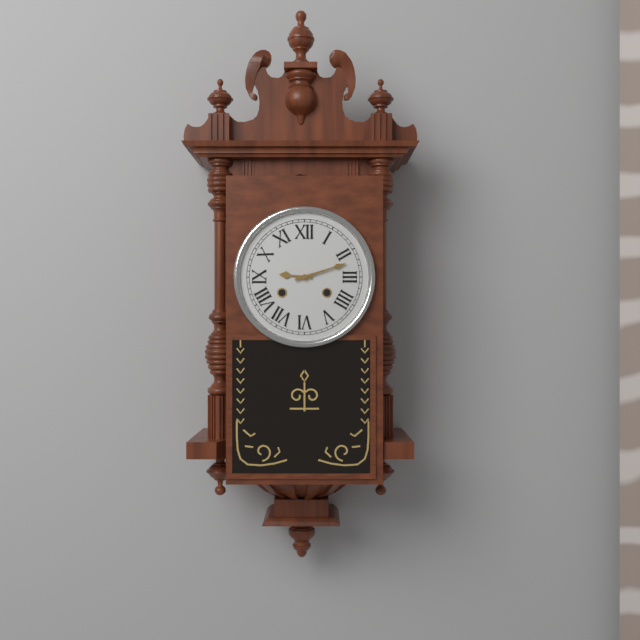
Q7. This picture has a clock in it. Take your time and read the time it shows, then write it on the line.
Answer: 9:12
